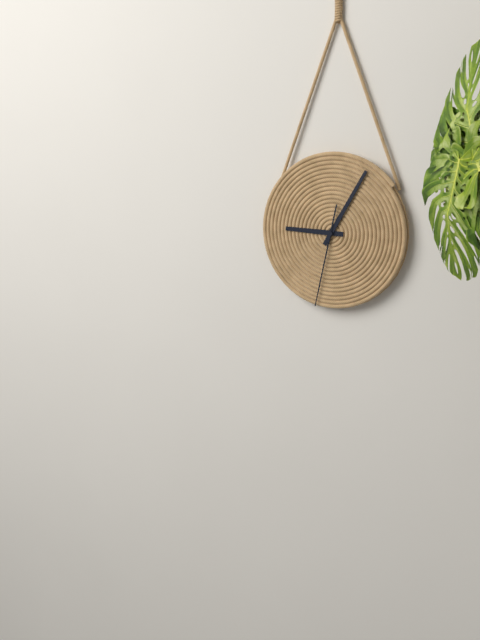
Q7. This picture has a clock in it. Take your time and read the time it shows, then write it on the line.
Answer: 9:05:32
